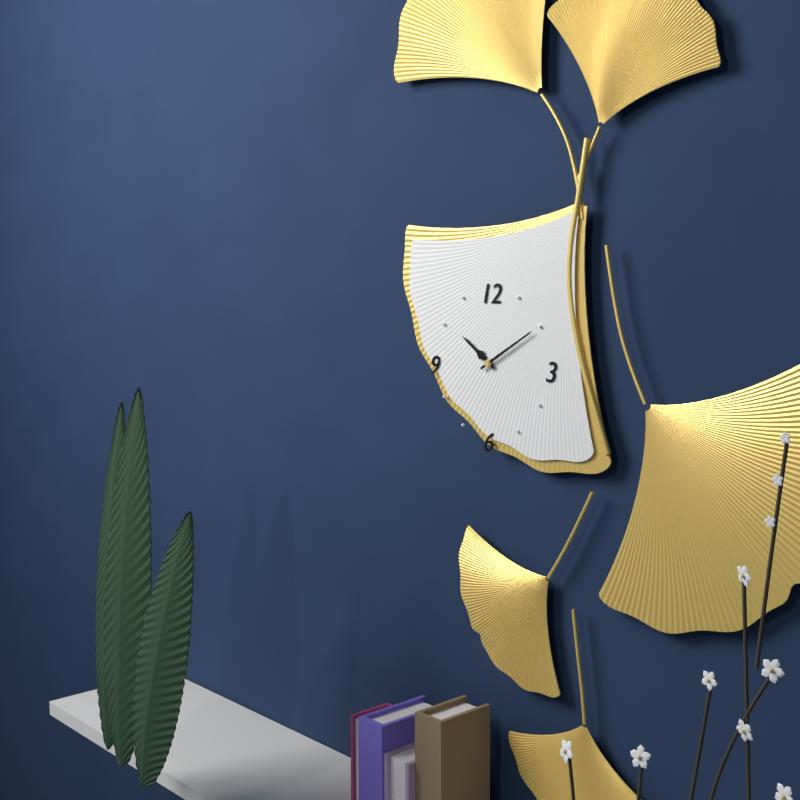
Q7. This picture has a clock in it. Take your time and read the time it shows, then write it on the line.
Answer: 10:10
